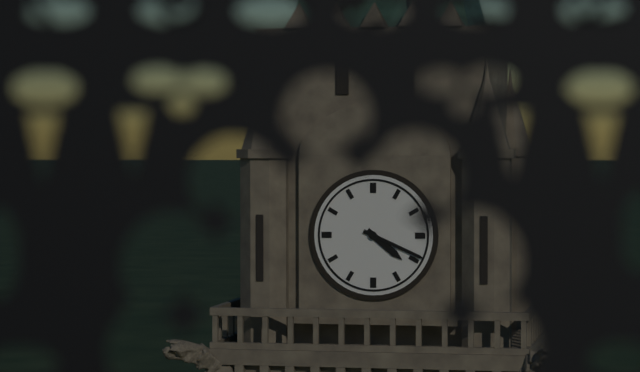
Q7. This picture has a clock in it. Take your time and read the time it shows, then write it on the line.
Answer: 4:19
